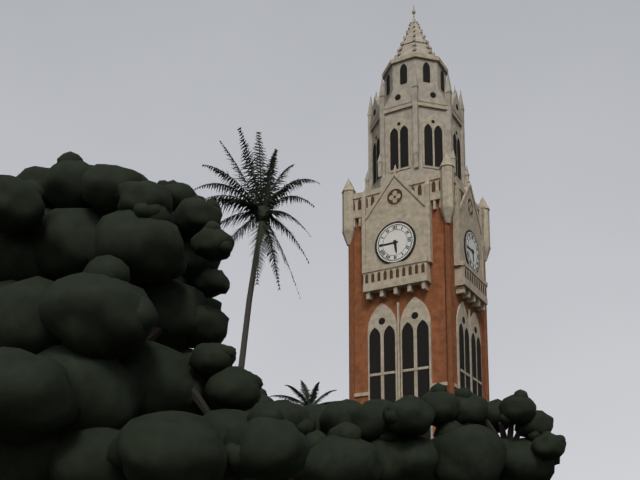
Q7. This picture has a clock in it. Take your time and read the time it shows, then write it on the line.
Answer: 5:45
